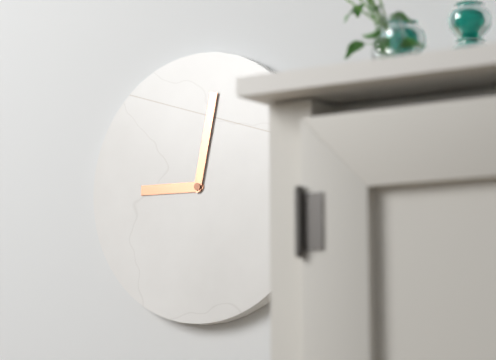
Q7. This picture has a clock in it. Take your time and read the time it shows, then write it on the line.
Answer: 9:02
